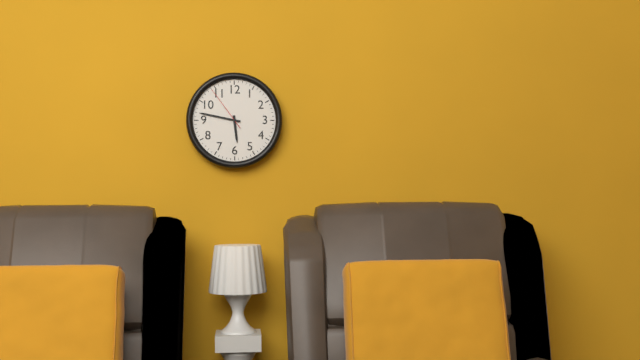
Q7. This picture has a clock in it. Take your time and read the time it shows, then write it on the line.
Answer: 5:47
